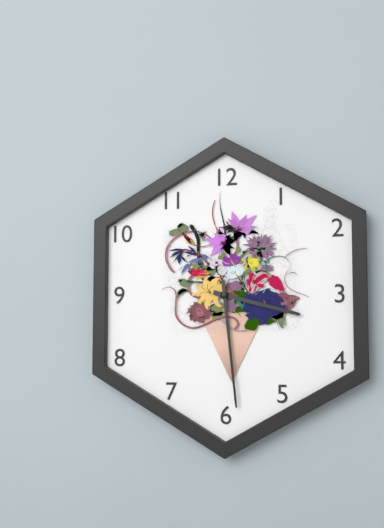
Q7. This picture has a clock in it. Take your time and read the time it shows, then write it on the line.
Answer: 3:29
